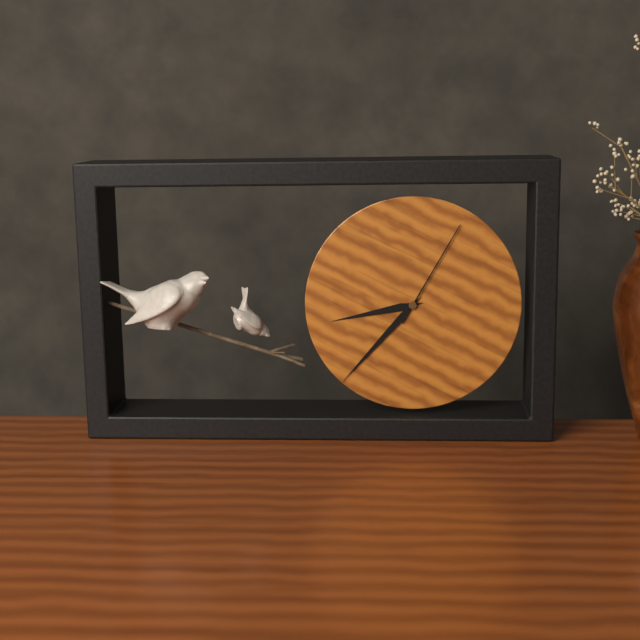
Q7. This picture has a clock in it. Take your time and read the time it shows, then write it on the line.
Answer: 8:37:05
